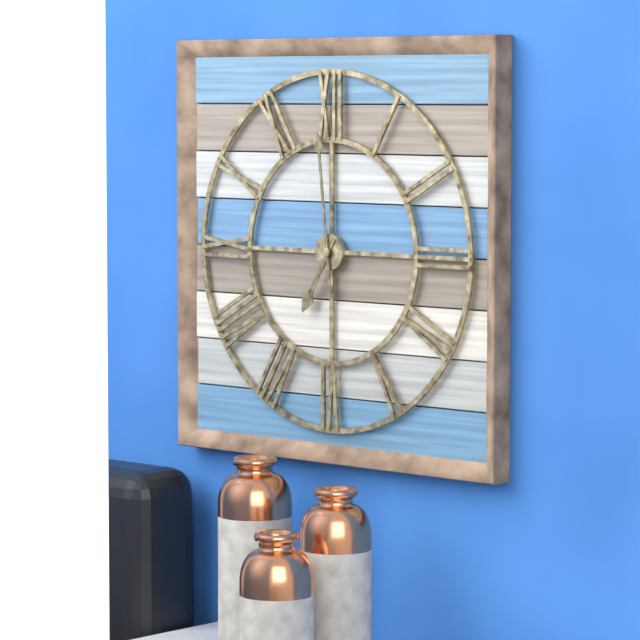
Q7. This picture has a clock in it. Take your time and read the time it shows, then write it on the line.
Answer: 6:59
